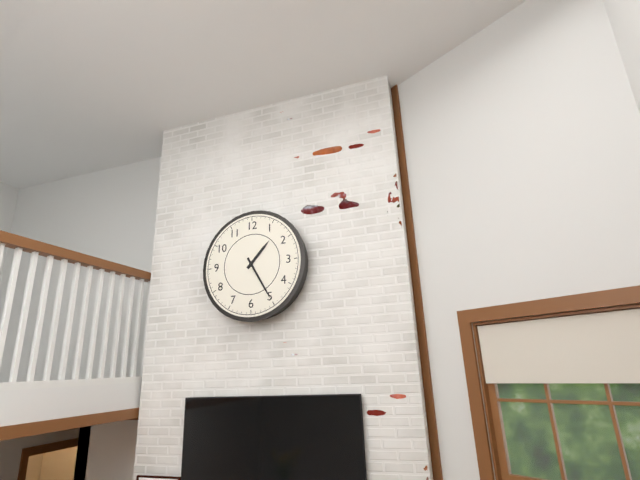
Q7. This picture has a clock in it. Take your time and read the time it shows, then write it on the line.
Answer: 1:25
